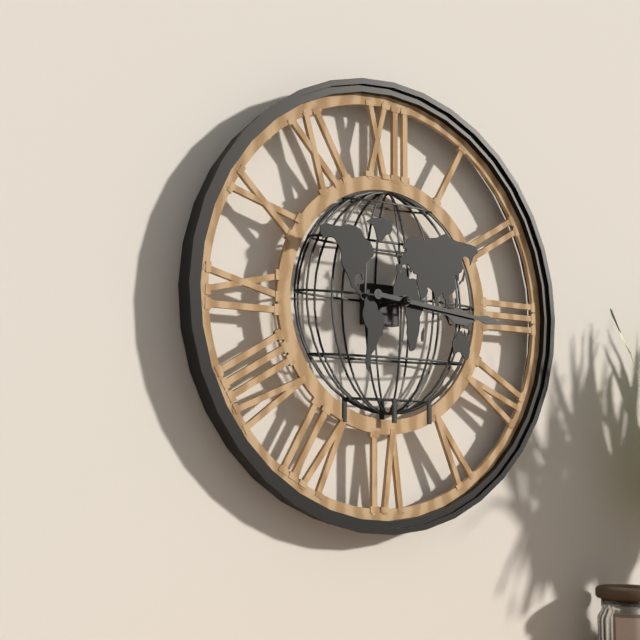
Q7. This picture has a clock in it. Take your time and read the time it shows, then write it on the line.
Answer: 3:16
